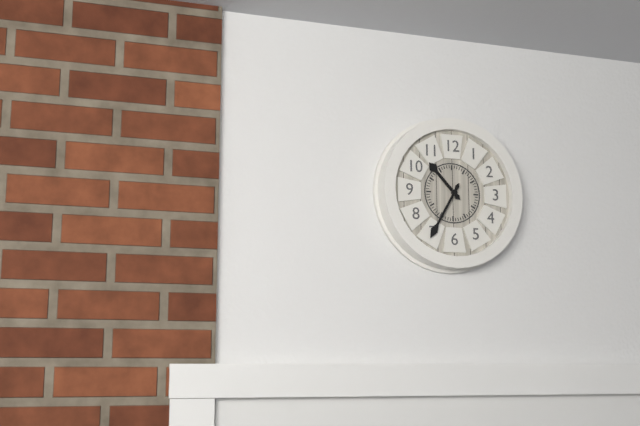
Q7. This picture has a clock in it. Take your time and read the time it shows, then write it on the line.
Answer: 10:35
